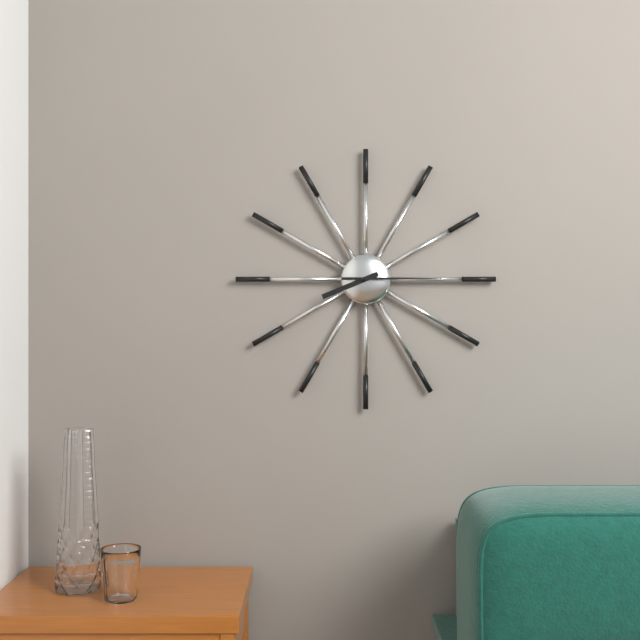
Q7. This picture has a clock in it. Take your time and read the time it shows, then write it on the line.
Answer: 8:15
